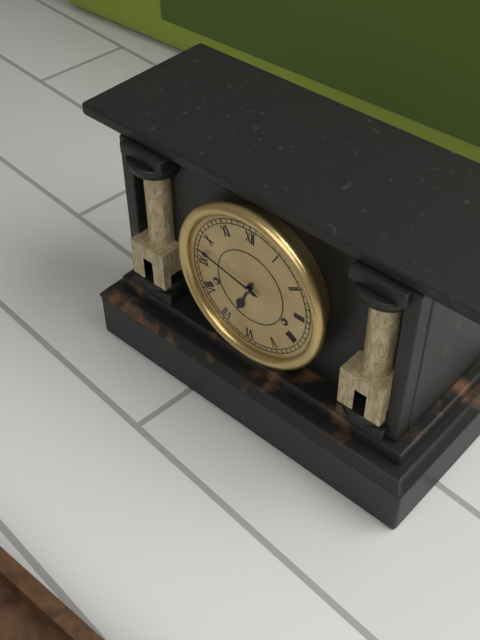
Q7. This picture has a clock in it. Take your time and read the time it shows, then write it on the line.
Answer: 6:47
